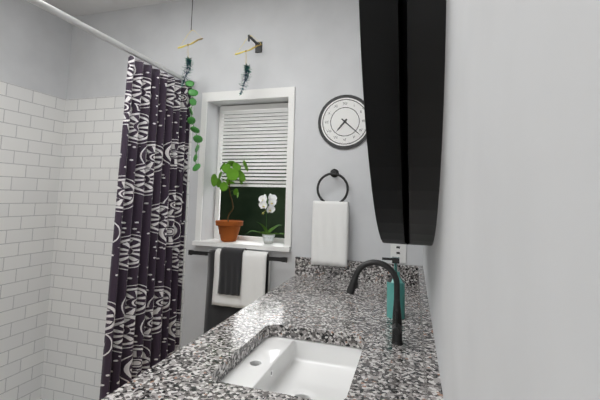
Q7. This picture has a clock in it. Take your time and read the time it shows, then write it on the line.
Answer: 7:22
